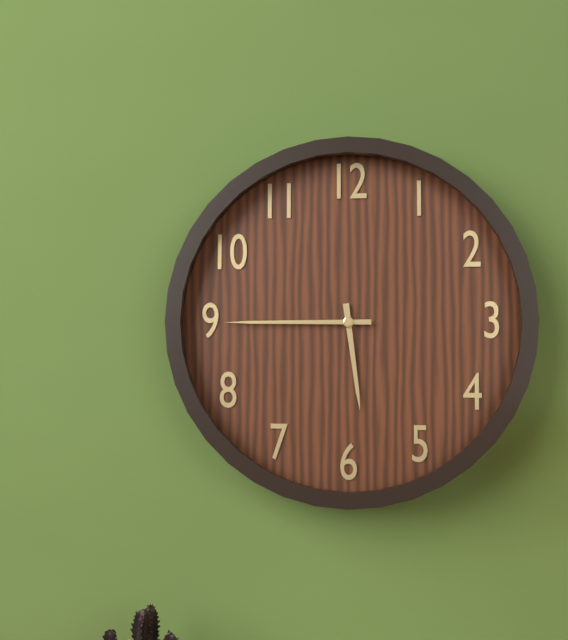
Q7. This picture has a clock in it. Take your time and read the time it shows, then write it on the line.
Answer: 5:45
